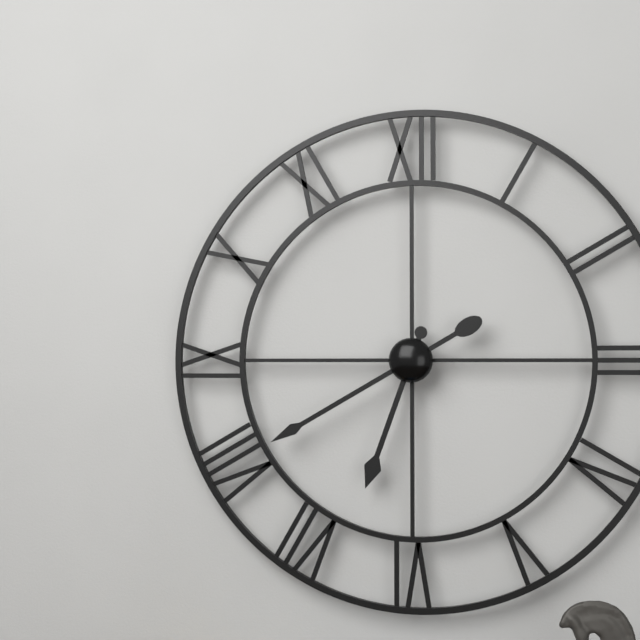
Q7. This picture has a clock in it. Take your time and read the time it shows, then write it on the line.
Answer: 6:40
